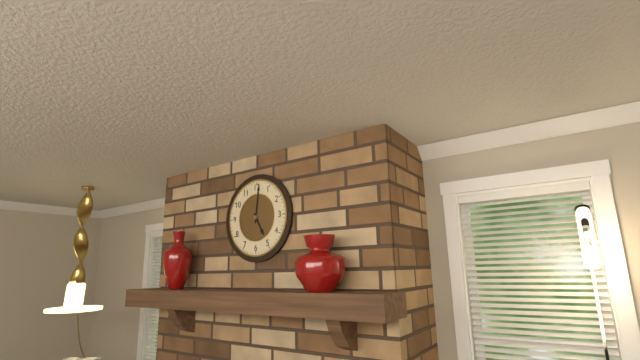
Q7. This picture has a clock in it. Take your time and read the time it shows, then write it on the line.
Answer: 5:01
